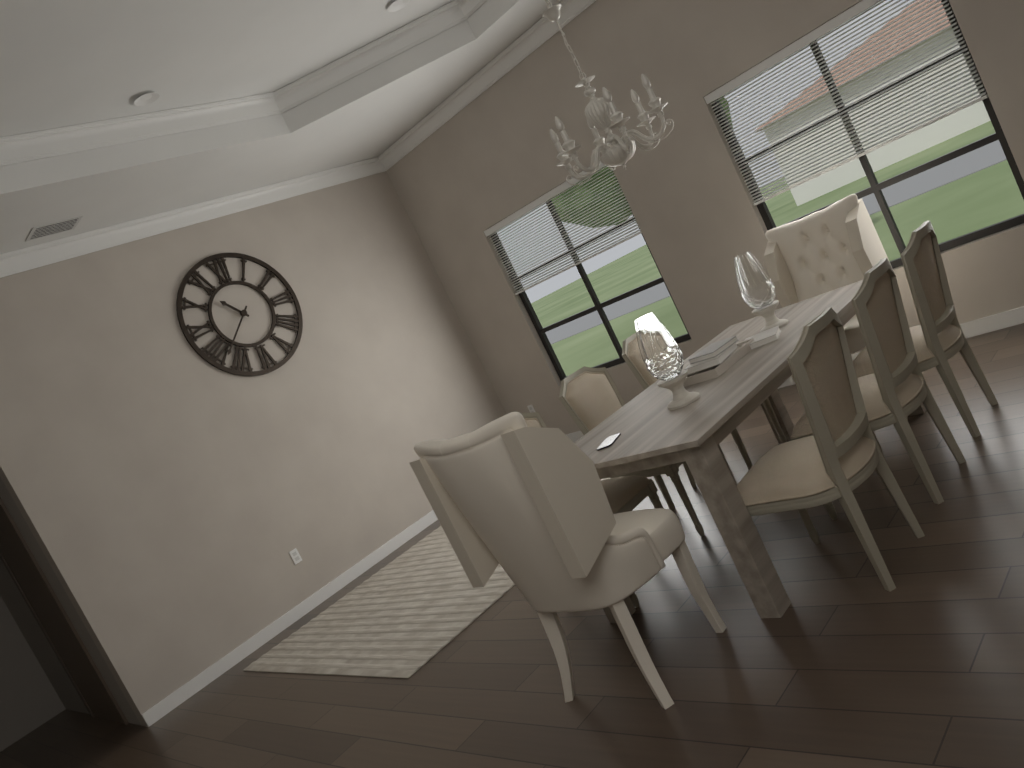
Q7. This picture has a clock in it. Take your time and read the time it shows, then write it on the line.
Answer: 10:38
